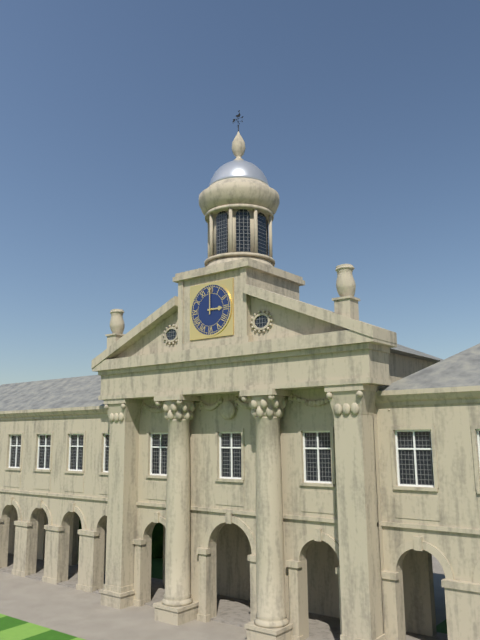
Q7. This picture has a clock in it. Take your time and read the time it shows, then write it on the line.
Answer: 3:00
